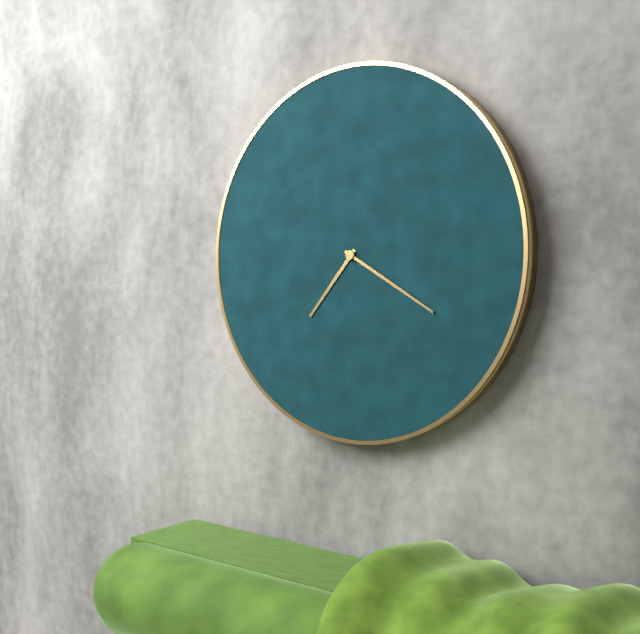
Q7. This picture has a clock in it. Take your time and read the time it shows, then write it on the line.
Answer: 7:20
